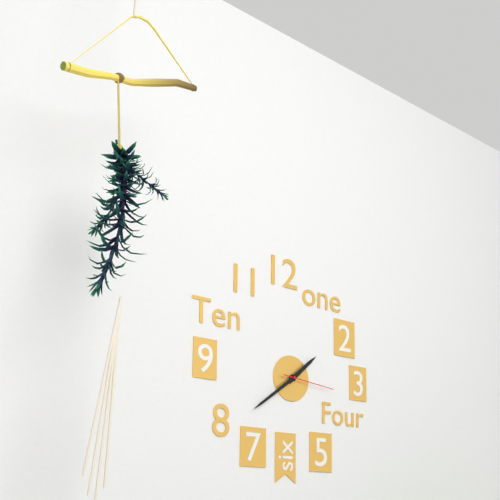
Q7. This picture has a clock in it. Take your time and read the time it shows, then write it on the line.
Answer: 1:39:16
